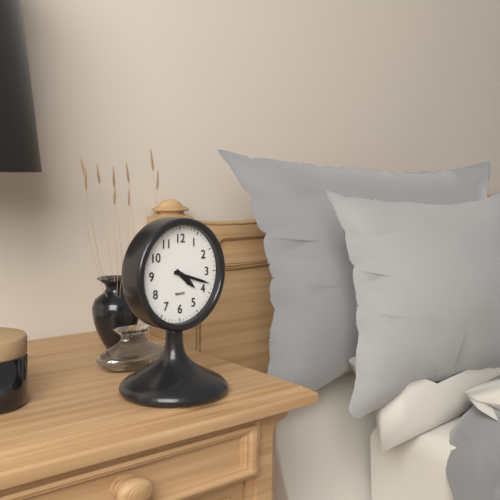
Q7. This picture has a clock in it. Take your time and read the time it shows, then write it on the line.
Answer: 4:18
